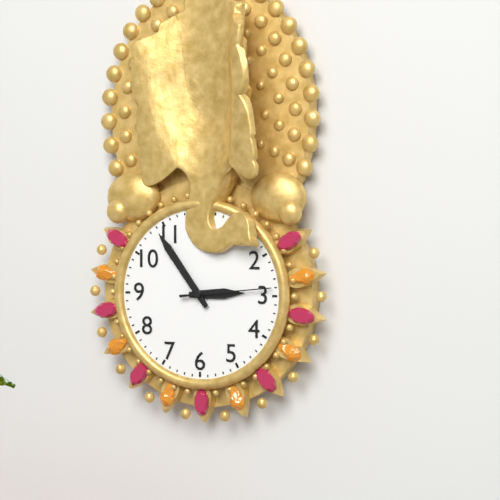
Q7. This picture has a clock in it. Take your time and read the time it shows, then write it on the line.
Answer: 2:54:14
